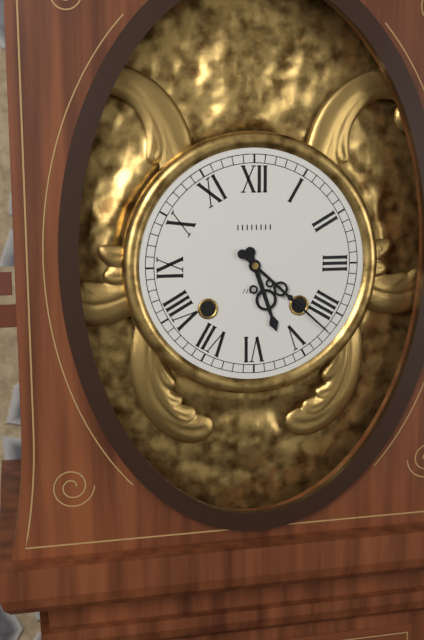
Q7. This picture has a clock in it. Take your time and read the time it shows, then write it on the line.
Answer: 5:22
